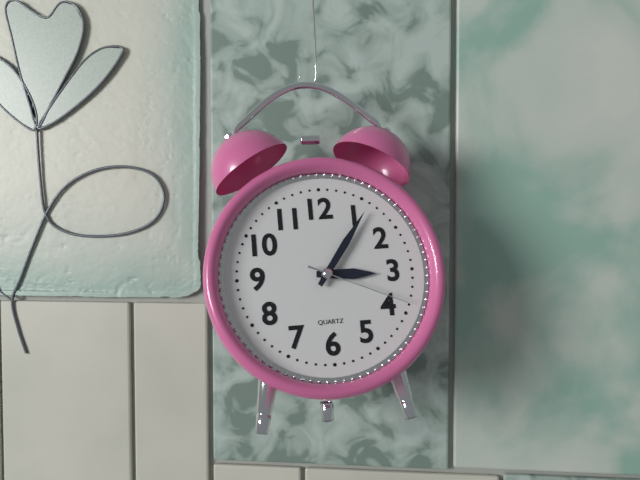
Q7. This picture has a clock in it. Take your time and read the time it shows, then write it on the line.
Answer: 3:06:19
